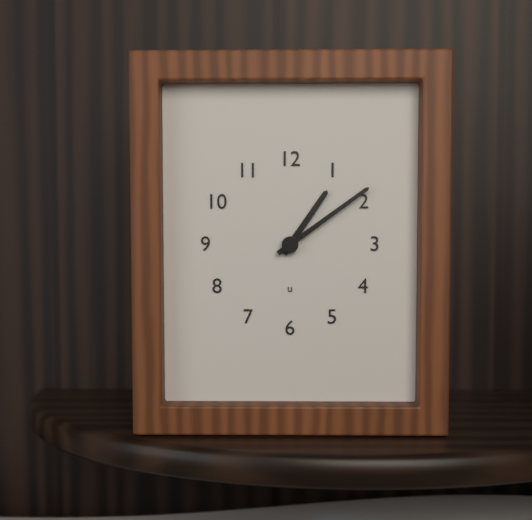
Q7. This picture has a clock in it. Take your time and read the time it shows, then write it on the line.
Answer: 1:09
